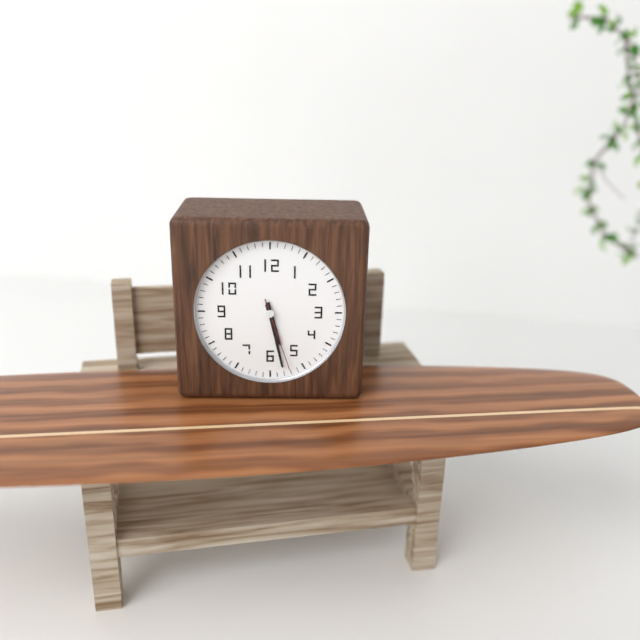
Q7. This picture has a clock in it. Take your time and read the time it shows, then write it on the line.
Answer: 5:28:27
